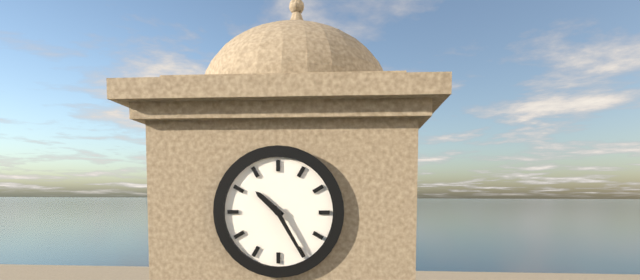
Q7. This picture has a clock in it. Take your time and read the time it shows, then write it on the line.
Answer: 10:25
